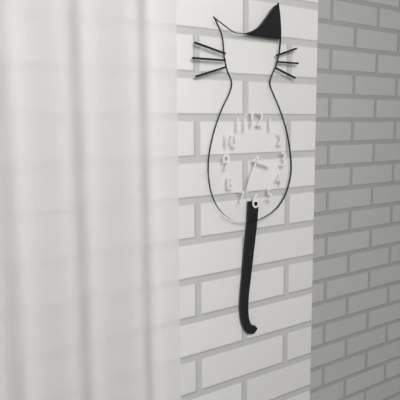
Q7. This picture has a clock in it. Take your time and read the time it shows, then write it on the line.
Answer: 3:34
